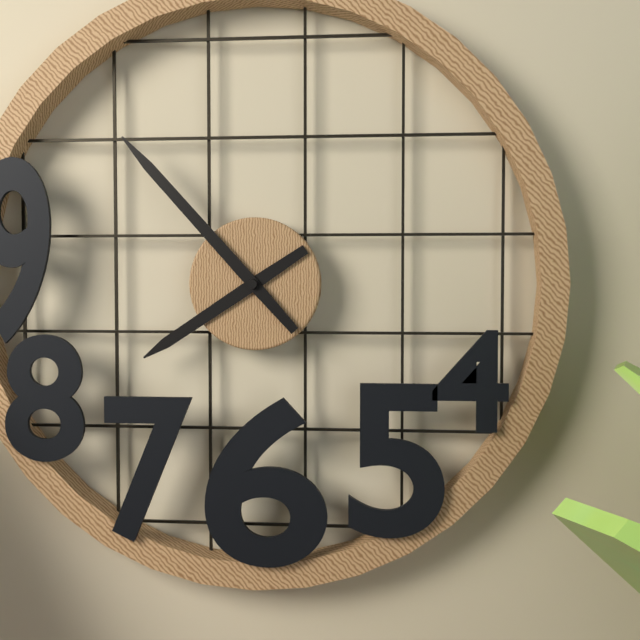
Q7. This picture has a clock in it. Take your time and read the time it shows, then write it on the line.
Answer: 7:53
